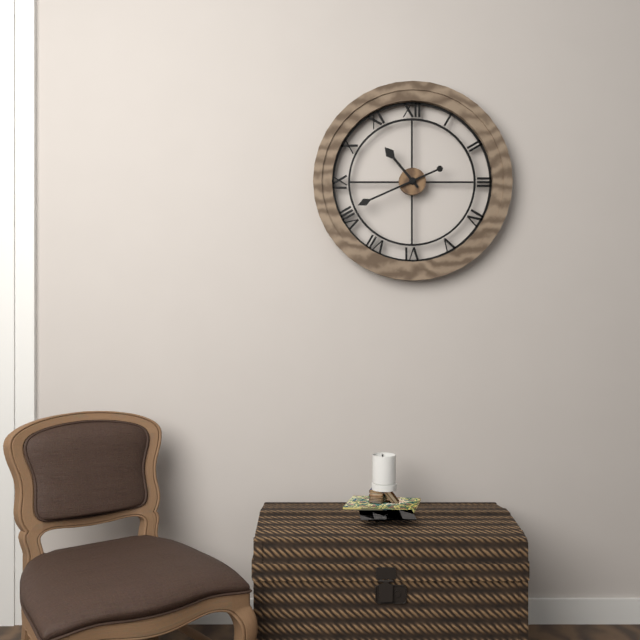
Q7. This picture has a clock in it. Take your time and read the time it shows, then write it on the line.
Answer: 10:41
